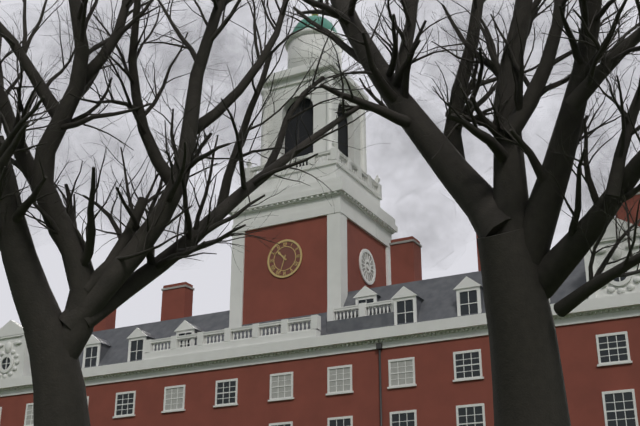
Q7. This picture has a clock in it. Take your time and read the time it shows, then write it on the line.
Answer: 10:33
